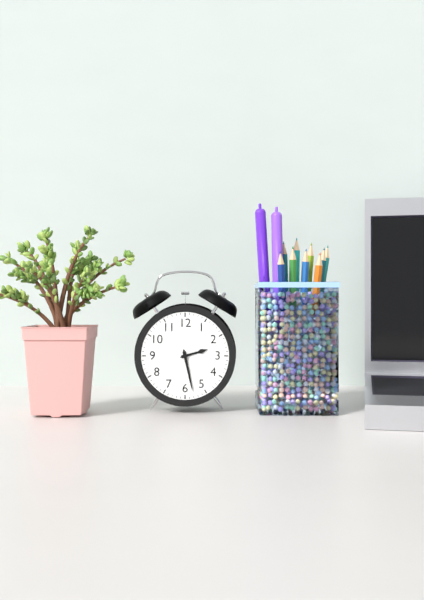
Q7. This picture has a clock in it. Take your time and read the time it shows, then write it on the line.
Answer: 2:28
